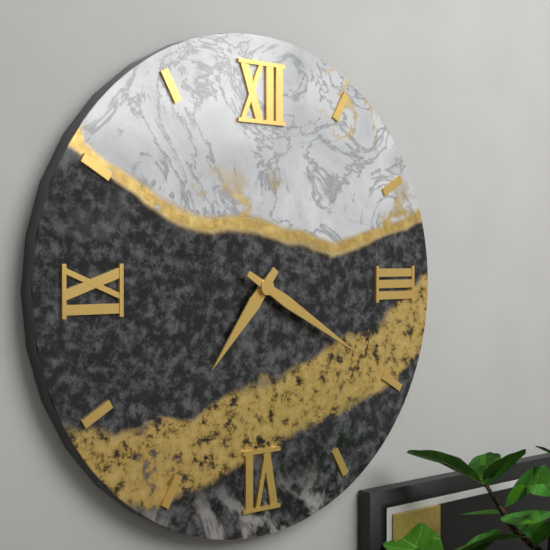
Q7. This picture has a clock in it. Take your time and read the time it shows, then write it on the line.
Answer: 7:20
